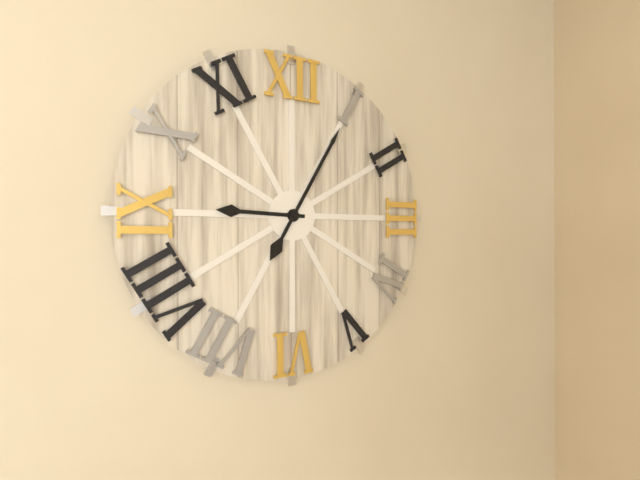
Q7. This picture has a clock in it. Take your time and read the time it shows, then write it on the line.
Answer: 9:05
